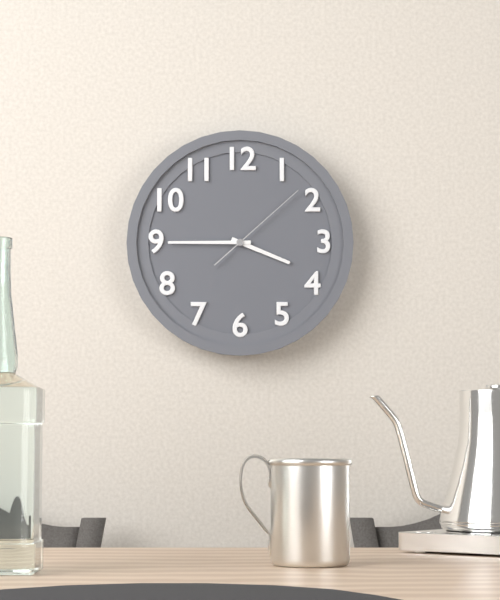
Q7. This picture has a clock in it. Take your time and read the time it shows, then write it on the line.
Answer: 3:45:08
